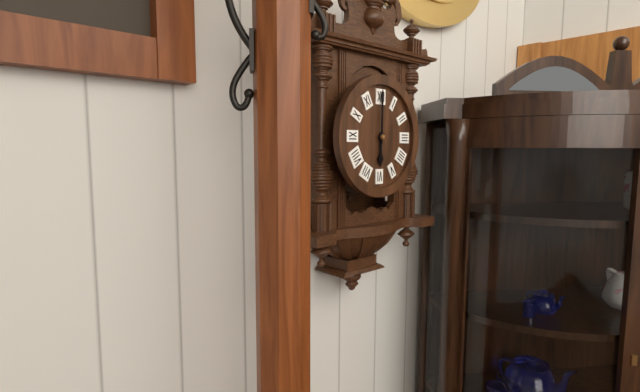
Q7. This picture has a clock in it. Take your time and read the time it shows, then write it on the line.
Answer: 6:00
